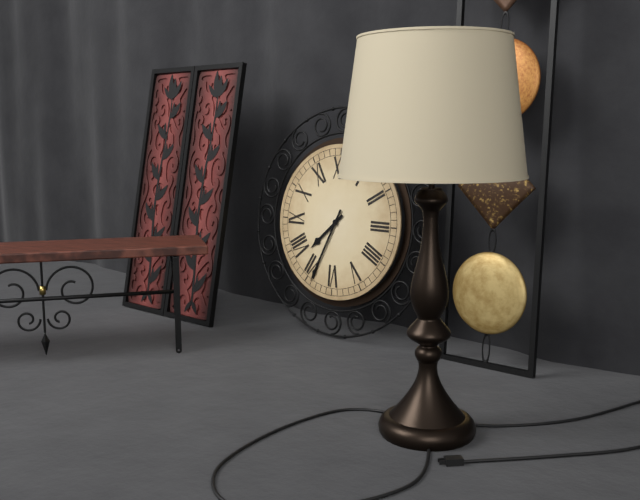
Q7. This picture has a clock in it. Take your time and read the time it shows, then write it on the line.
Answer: 7:34
